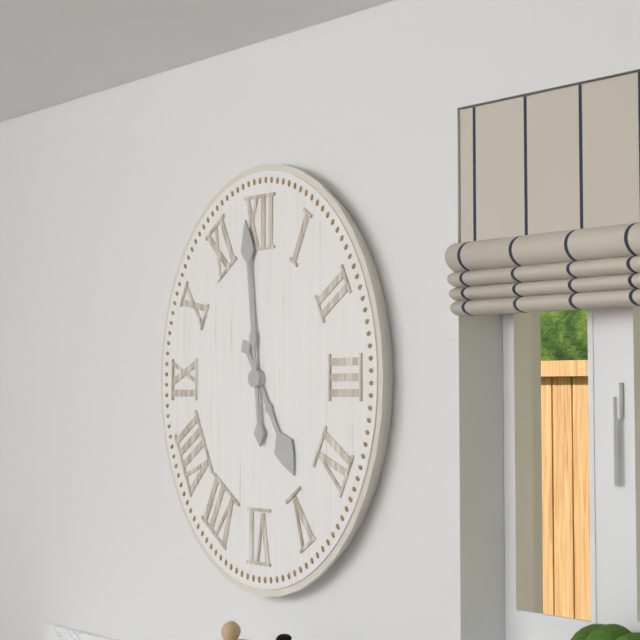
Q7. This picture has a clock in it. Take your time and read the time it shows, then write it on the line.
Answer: 4:59
